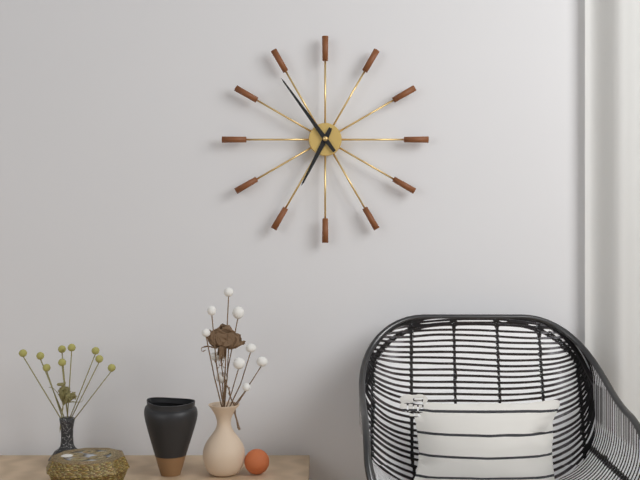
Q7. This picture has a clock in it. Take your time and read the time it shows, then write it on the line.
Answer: 6:54
